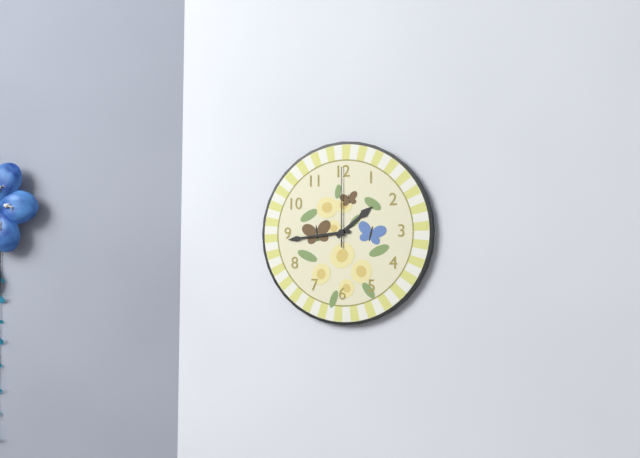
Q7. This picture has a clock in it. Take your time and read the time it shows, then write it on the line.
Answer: 1:44:00
